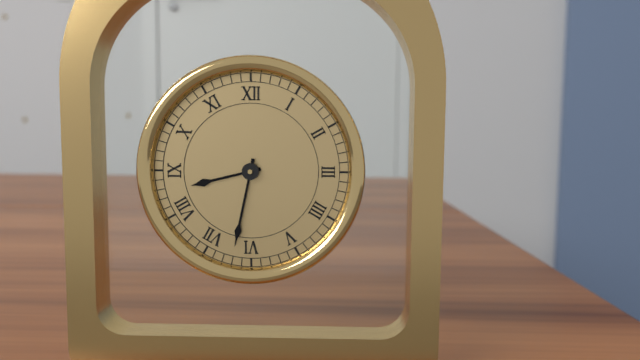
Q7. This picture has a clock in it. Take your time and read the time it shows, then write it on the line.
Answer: 8:32
